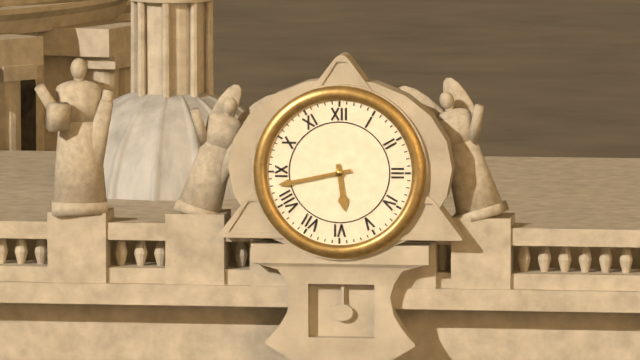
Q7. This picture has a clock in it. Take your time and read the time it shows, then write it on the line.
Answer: 5:43
